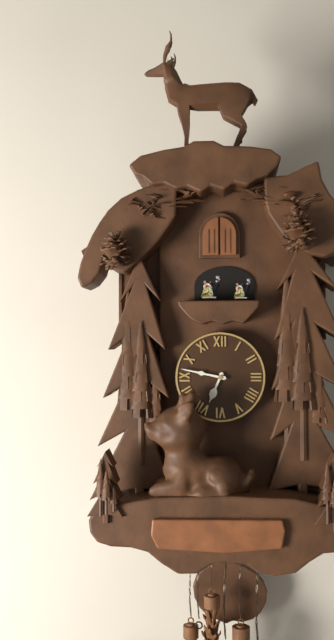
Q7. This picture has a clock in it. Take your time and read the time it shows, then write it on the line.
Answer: 6:47
